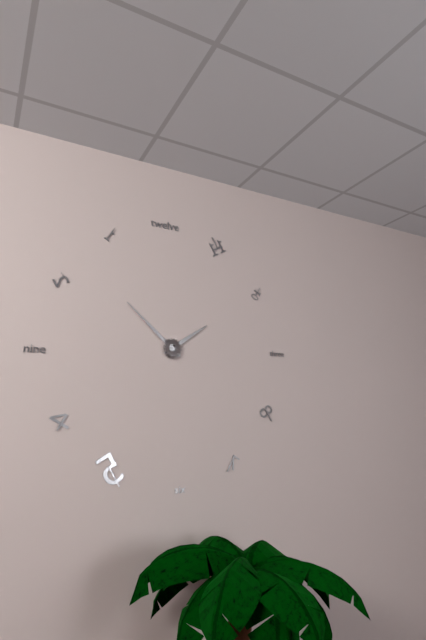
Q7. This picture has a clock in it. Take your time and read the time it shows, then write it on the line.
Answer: 1:52
